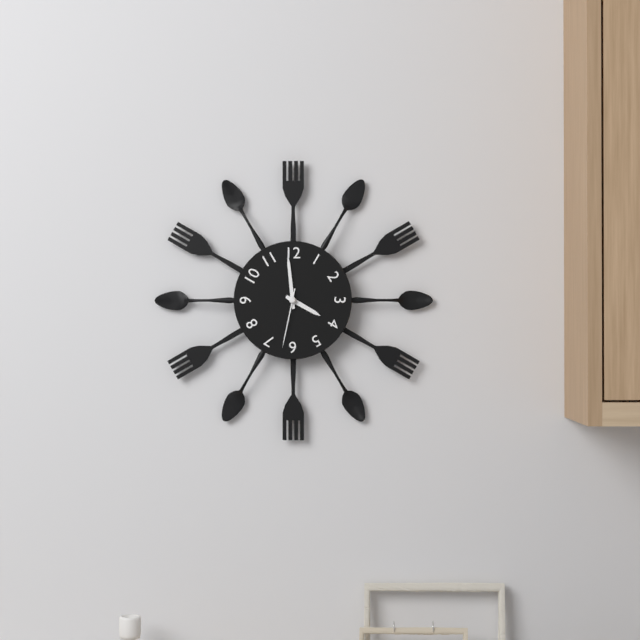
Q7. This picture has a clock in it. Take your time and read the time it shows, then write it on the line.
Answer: 3:59:32
